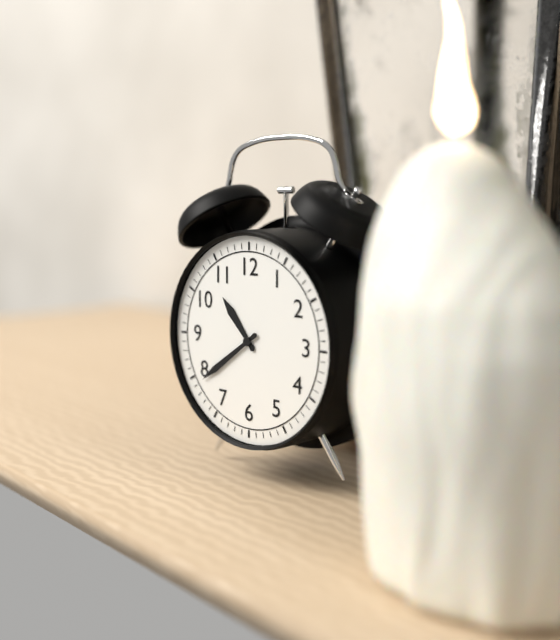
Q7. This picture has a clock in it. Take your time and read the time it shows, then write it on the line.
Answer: 10:39
